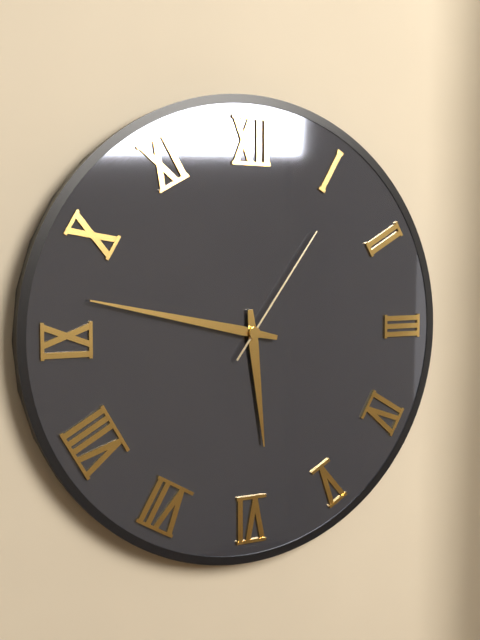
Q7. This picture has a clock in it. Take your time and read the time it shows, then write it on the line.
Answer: 5:47:06
